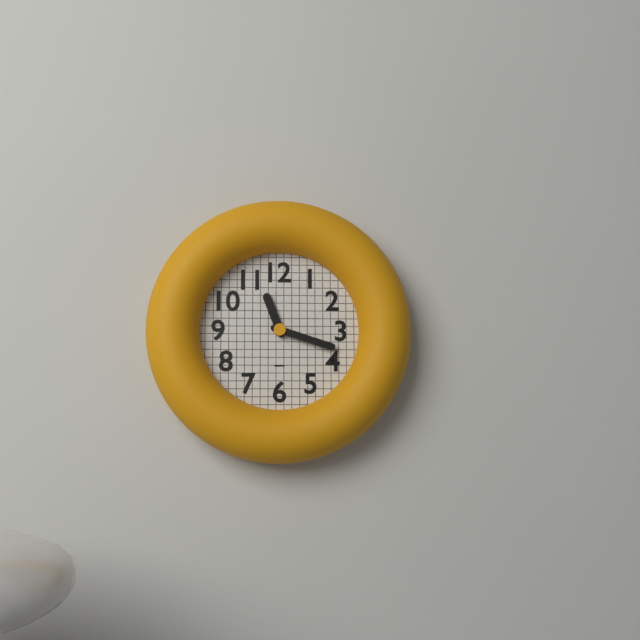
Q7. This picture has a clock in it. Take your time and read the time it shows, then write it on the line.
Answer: 11:18
